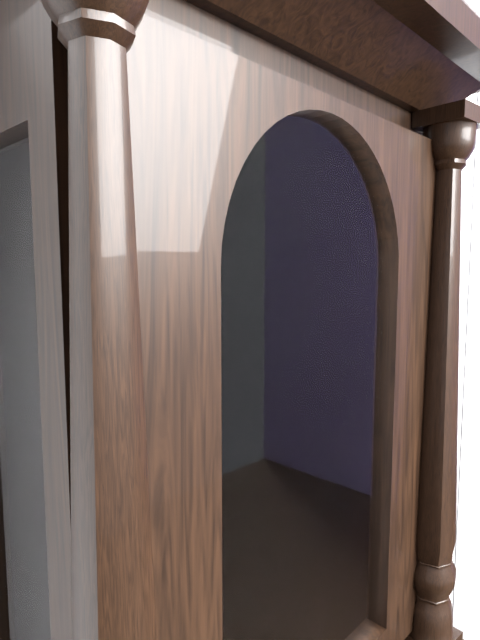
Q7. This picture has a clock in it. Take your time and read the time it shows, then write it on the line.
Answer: 9:45
